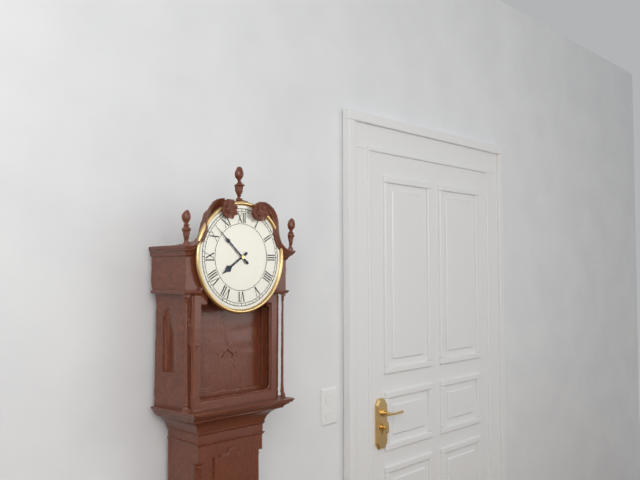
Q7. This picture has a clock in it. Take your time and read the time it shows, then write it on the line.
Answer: 7:52
